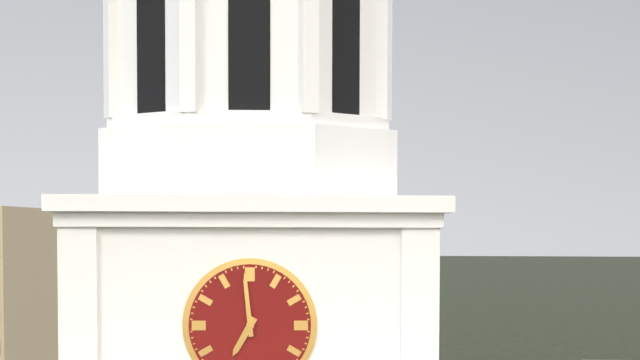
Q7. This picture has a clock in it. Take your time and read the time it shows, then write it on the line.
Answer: 6:59
